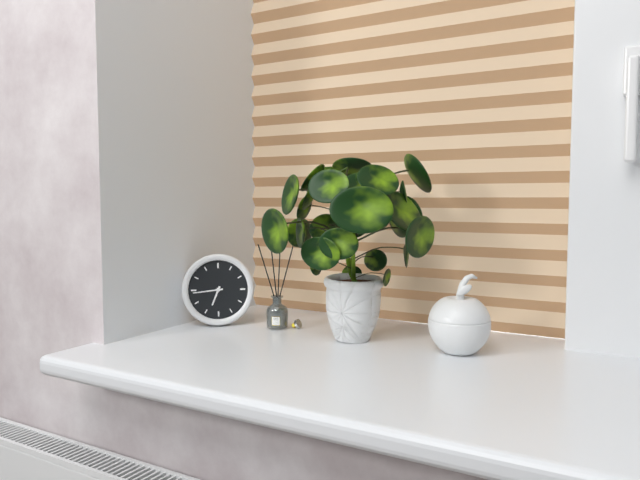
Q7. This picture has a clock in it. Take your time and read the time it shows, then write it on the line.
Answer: 6:44
